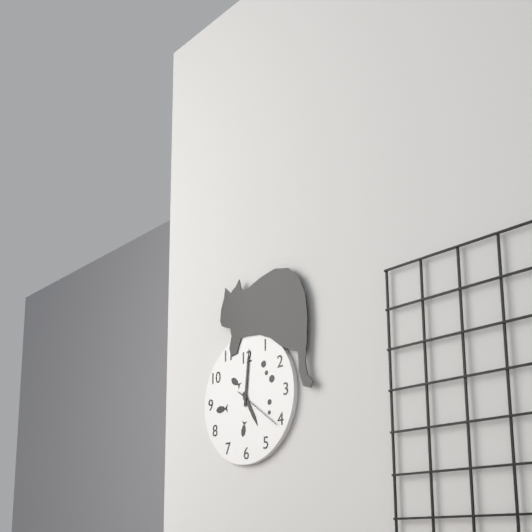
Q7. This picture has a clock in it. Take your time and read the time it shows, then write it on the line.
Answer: 5:01:21
